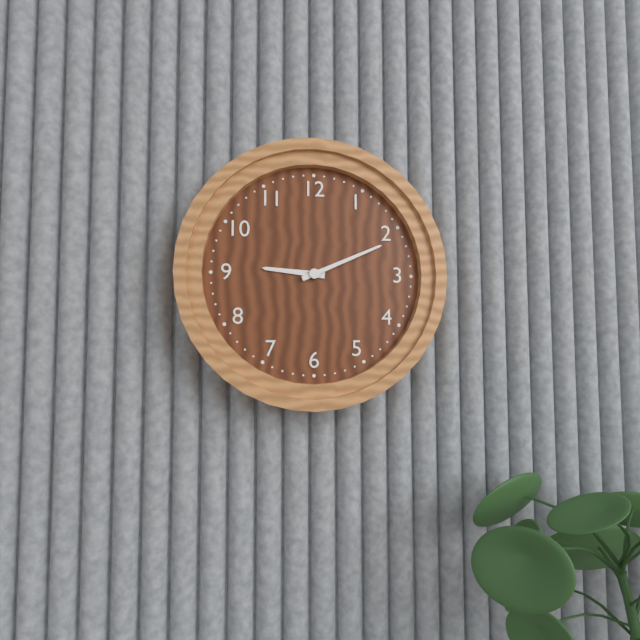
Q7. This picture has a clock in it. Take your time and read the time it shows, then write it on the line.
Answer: 9:11
